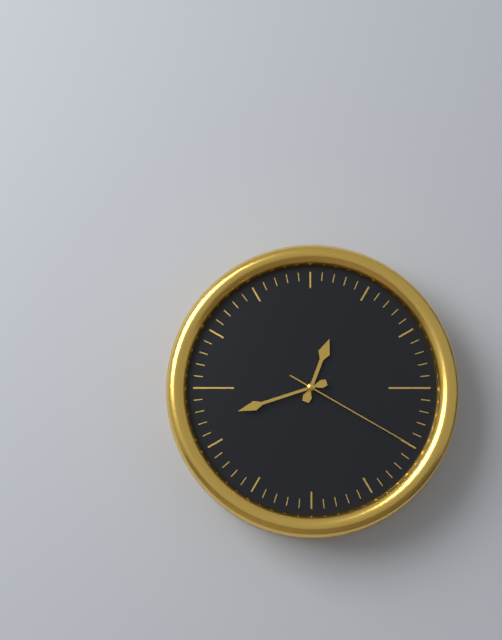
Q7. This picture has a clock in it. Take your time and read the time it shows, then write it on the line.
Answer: 12:42:20
